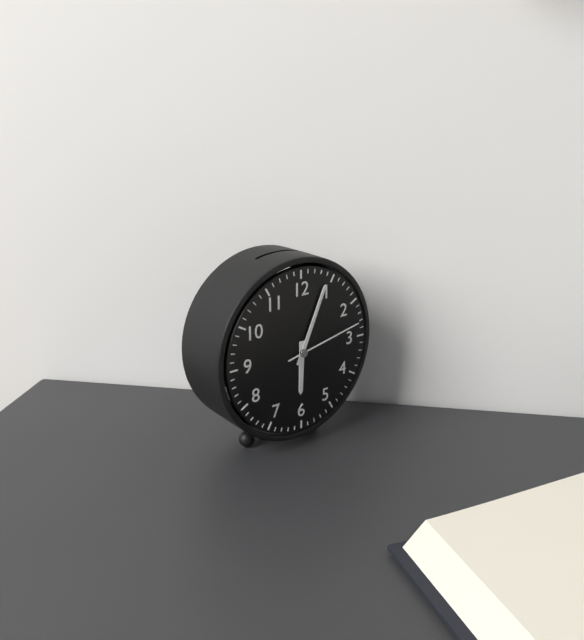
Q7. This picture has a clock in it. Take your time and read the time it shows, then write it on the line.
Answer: 6:04:13
